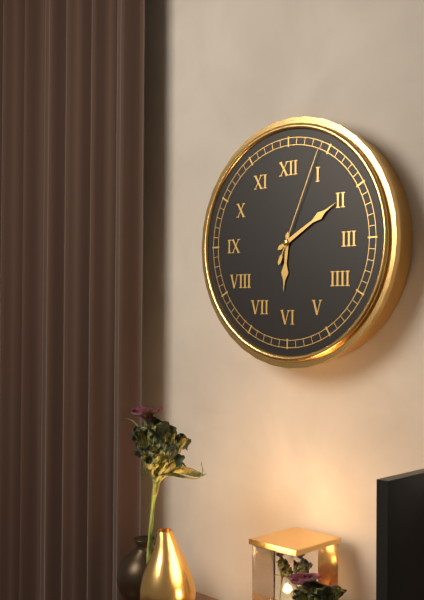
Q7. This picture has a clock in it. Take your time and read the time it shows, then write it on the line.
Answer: 6:10:04
